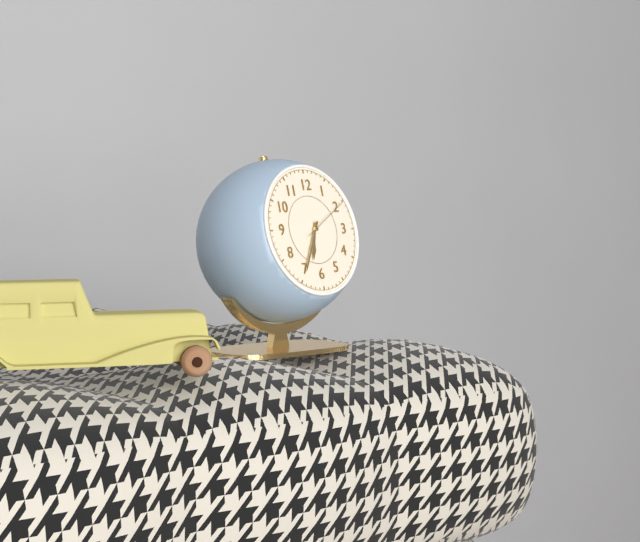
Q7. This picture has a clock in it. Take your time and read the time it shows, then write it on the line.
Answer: 6:35:10
